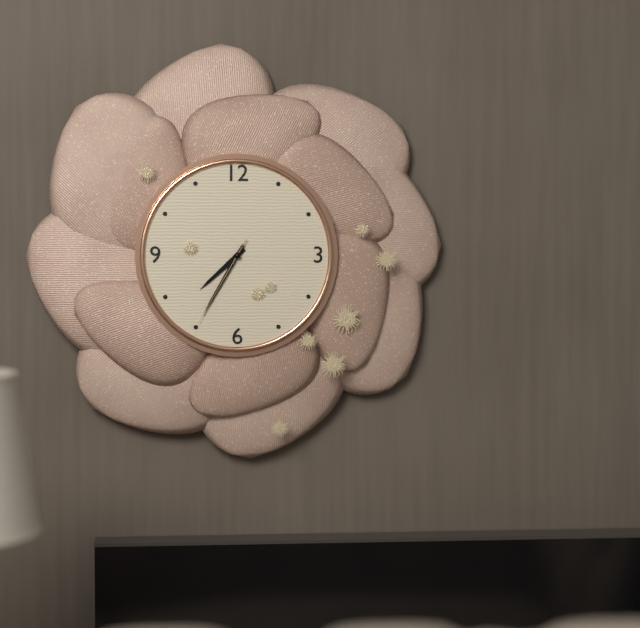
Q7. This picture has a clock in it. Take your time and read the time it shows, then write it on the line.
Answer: 7:35:35
